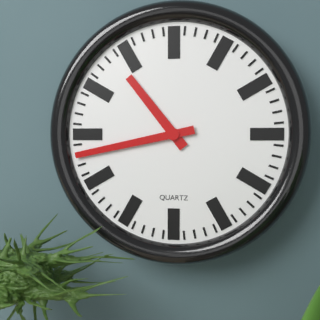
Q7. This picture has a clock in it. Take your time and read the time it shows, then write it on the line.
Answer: 10:43
